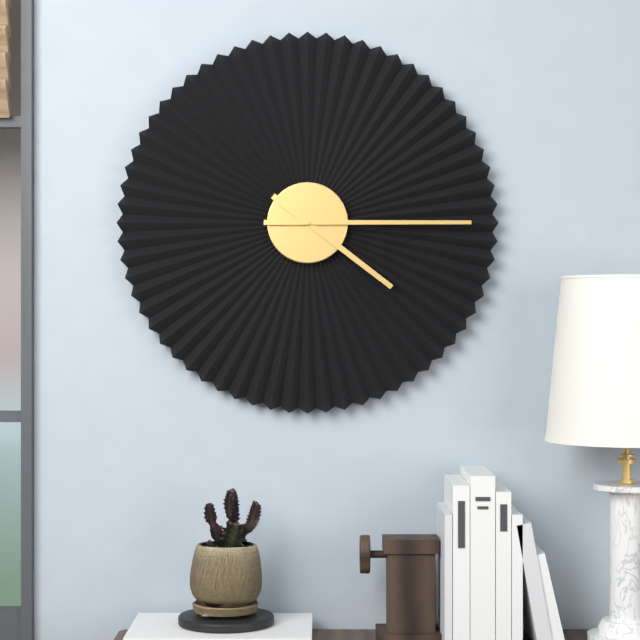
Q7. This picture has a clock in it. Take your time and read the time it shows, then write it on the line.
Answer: 4:15
